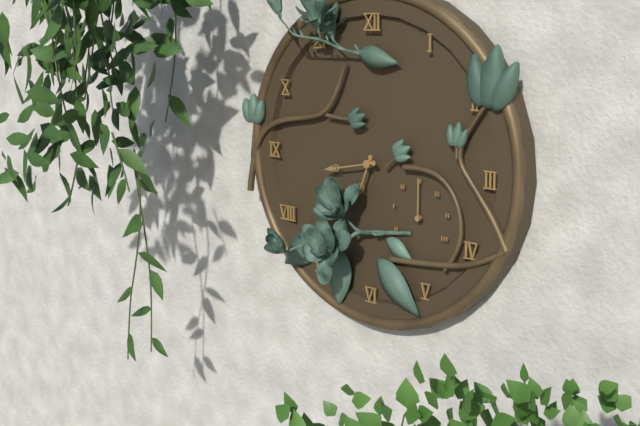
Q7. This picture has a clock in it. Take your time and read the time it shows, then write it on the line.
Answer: 6:43
